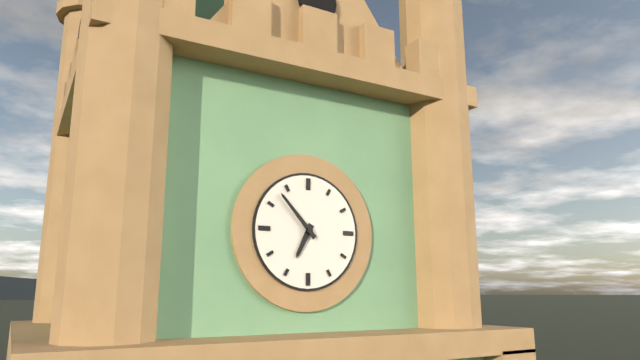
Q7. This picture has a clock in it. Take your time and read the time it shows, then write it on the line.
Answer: 6:53
